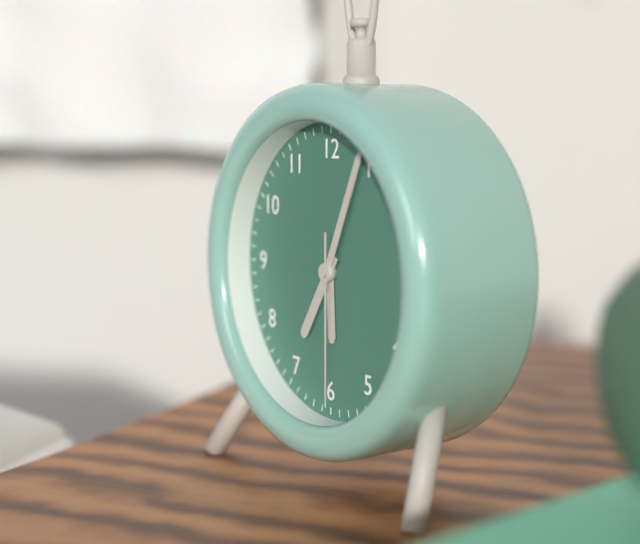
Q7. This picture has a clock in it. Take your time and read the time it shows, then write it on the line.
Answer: 7:04:30
